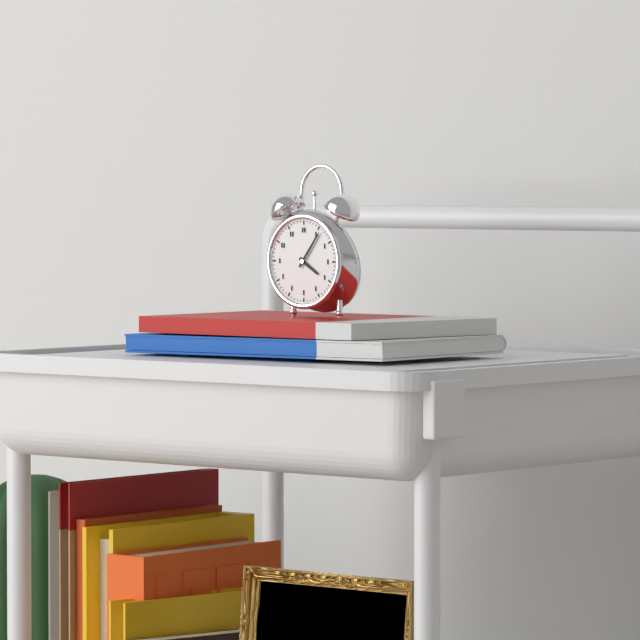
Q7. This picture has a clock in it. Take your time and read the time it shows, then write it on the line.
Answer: 4:06
